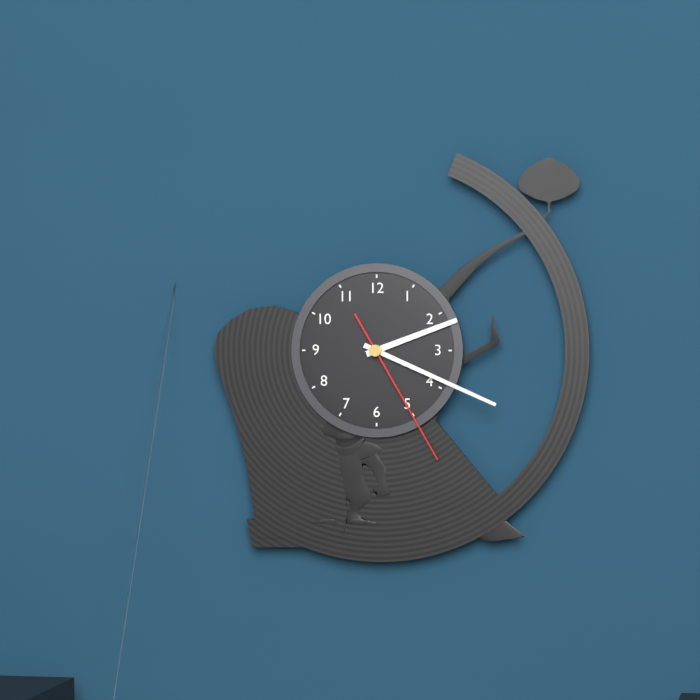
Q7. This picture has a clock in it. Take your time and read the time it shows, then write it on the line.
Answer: 2:19:25
